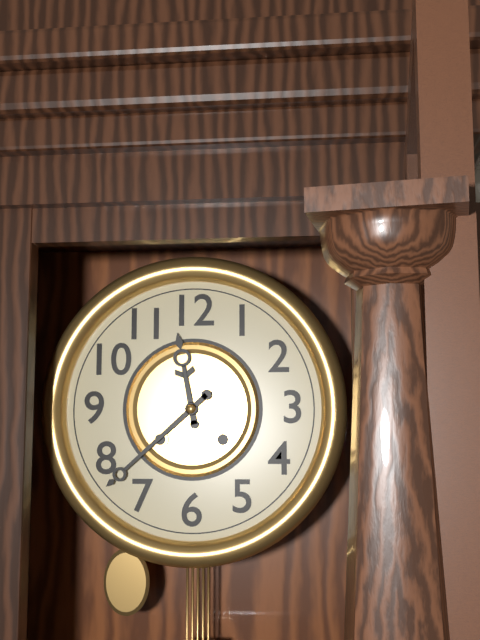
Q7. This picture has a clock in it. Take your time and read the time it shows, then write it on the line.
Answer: 11:38
